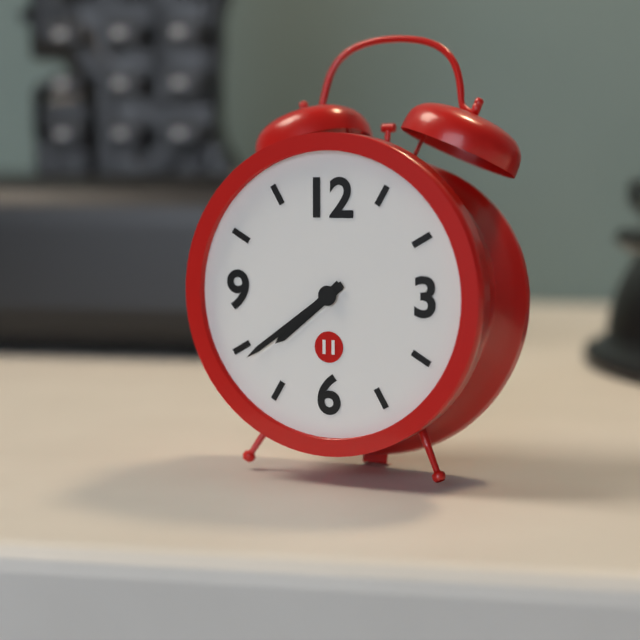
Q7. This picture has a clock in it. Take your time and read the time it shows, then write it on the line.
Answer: 7:39
